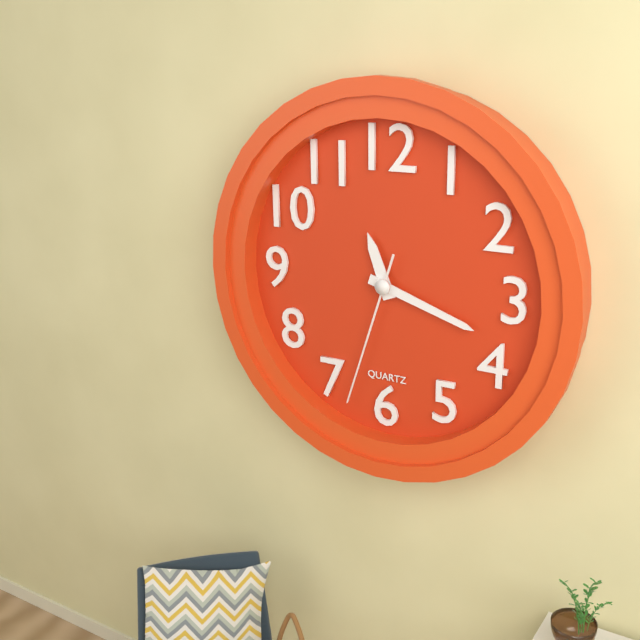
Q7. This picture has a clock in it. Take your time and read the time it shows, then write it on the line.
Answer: 11:18:33
